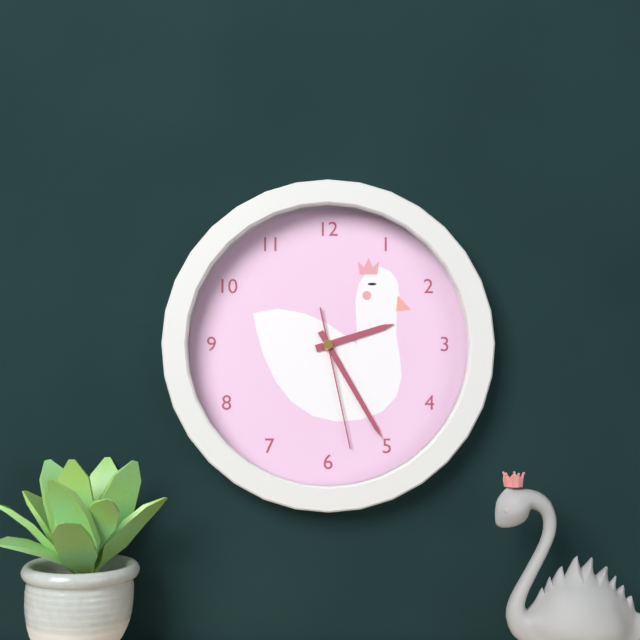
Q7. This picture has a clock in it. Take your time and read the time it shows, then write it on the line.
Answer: 2:25:28
